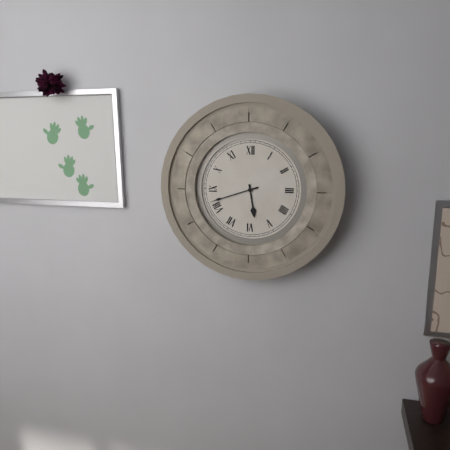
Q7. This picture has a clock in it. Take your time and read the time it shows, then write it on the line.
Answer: 5:42
